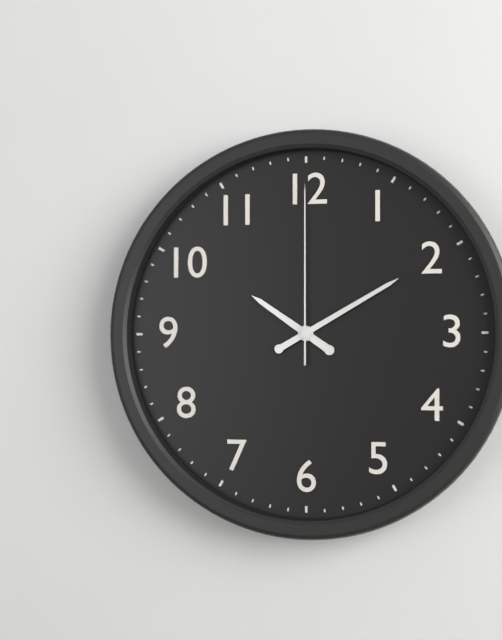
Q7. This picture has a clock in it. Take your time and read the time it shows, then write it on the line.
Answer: 10:10:00
